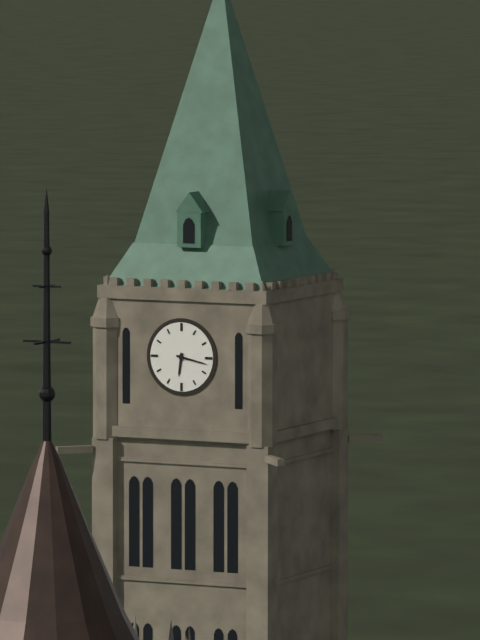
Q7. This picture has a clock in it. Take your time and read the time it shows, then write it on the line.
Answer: 6:17
